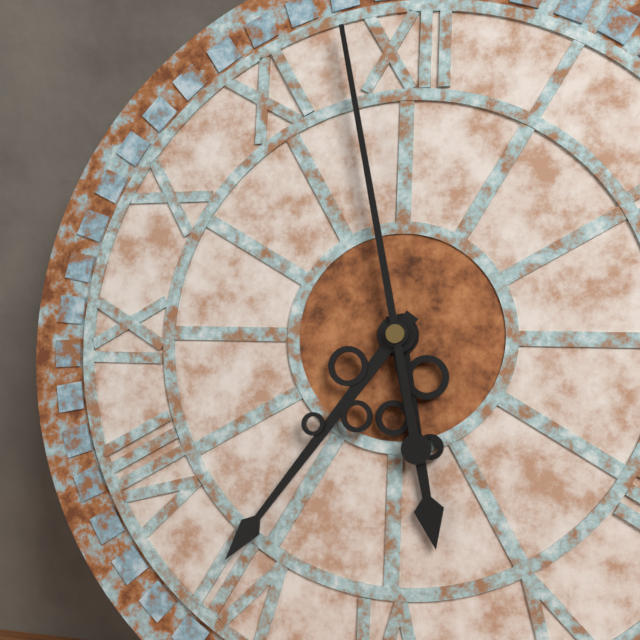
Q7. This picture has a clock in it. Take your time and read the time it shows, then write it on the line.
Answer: 5:36:58
